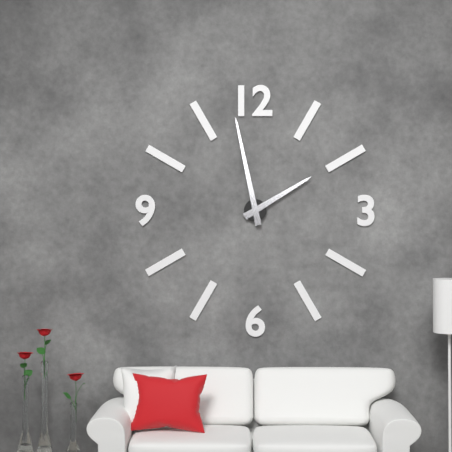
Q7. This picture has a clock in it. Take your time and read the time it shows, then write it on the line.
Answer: 1:58
